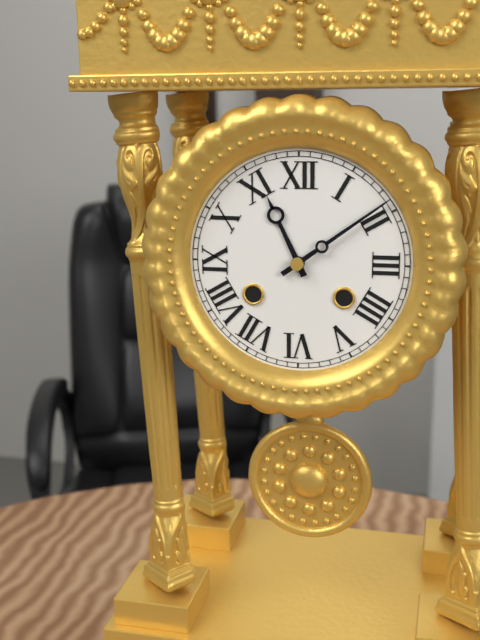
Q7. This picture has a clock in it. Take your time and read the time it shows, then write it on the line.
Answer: 11:09
